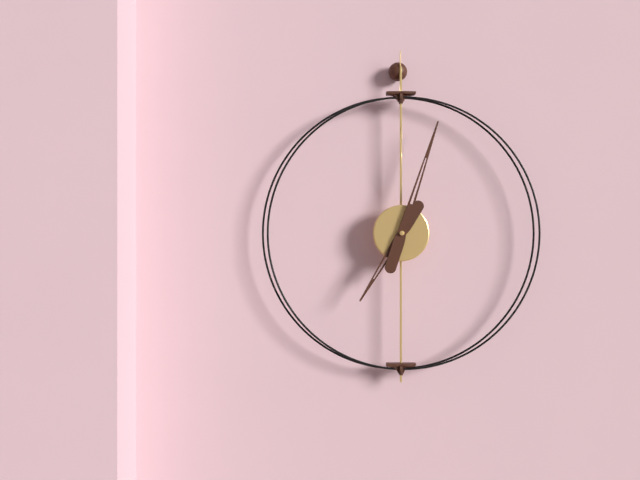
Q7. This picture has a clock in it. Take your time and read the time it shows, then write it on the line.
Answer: 7:03
